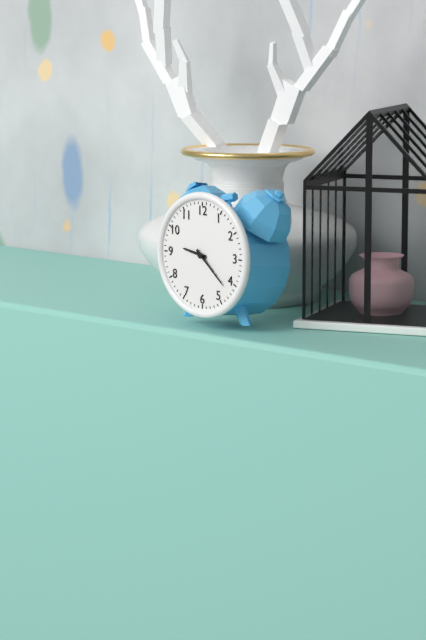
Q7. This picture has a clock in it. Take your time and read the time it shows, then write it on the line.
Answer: 9:22
